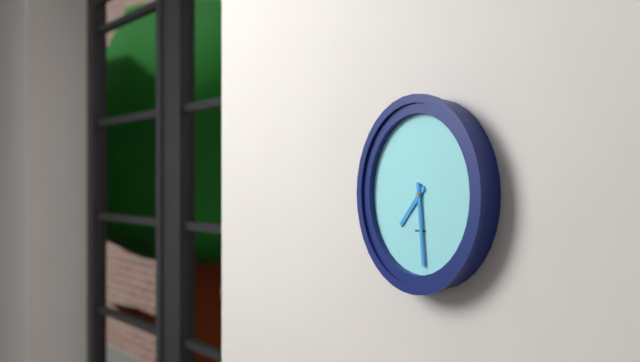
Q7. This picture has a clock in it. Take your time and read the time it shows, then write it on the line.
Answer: 7:29
